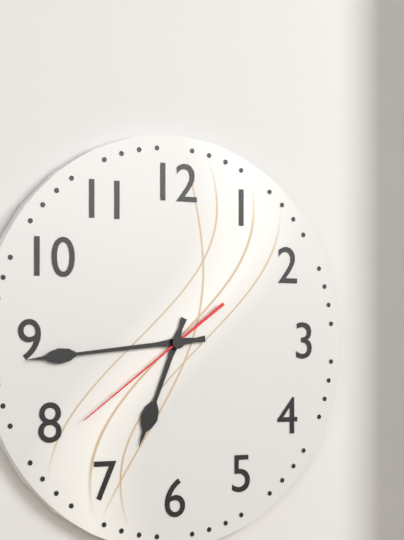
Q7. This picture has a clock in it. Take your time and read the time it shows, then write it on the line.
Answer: 6:44:39
